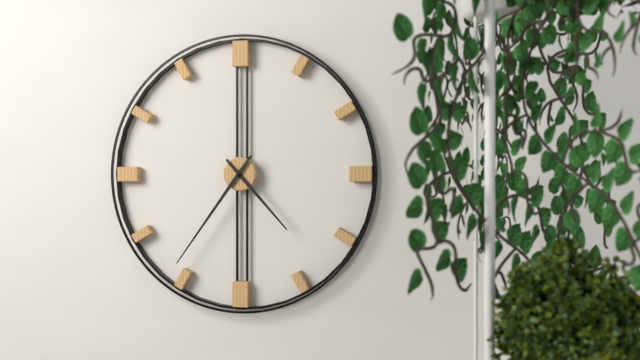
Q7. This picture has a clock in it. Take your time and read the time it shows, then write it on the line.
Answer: 4:36
